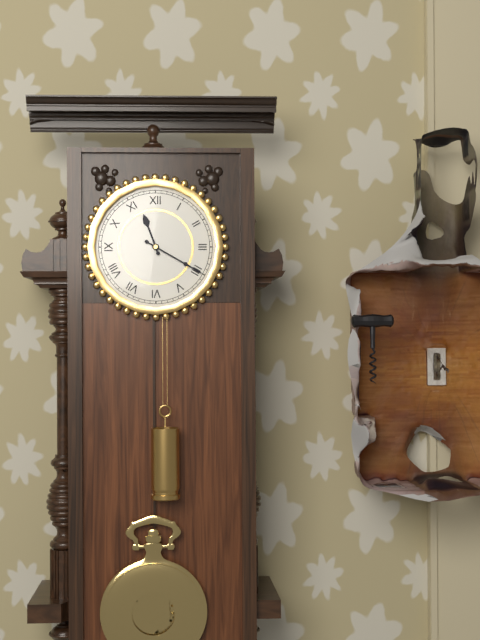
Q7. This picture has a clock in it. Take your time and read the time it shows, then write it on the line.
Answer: 11:20
